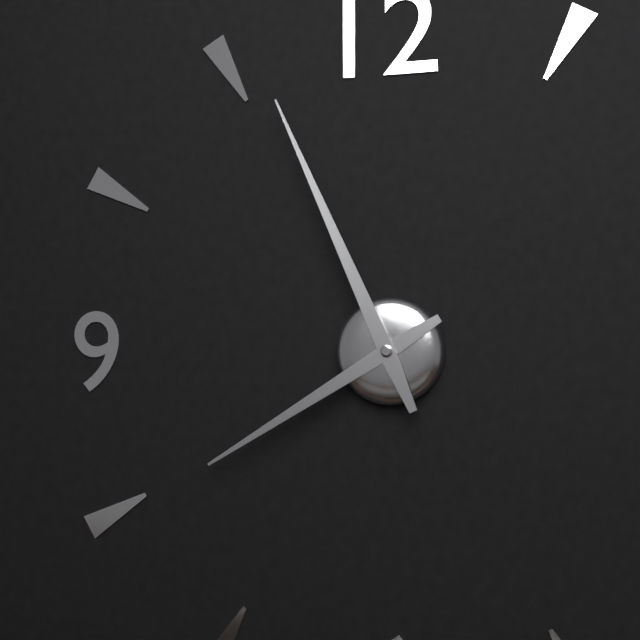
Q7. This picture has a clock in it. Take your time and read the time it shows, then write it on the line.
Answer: 7:56
